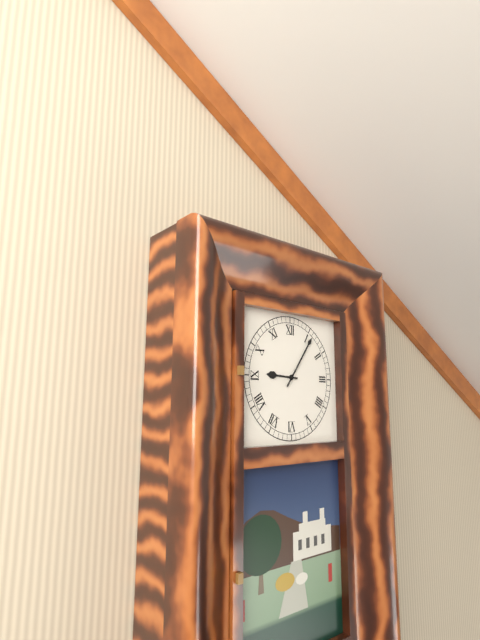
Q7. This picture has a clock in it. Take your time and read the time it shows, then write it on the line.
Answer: 9:06
